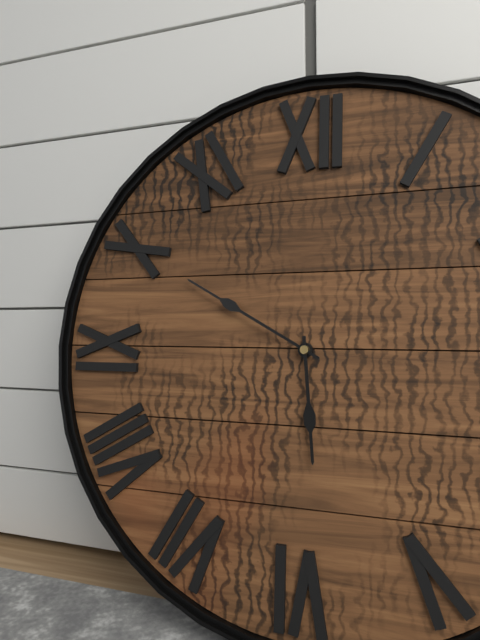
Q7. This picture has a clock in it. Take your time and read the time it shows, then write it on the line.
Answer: 5:50
